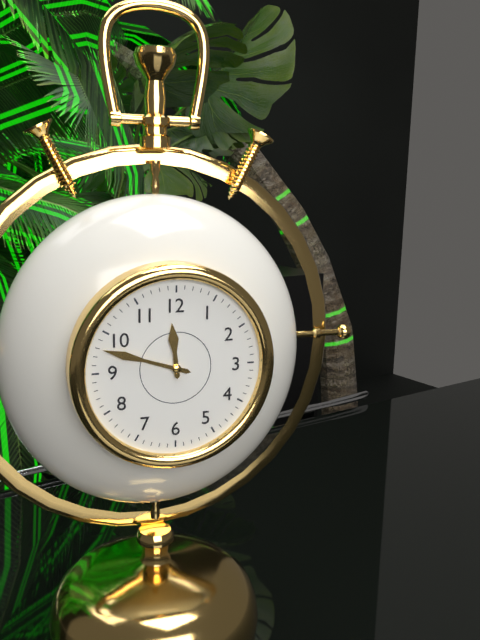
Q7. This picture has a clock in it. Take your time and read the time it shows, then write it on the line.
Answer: 11:48
